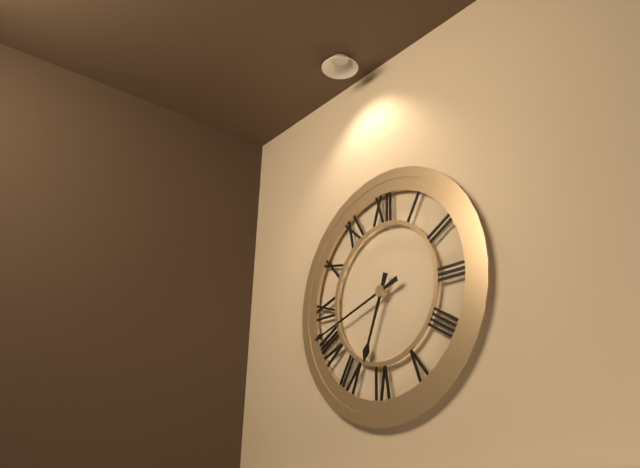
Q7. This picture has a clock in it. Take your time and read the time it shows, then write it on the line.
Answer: 6:42
